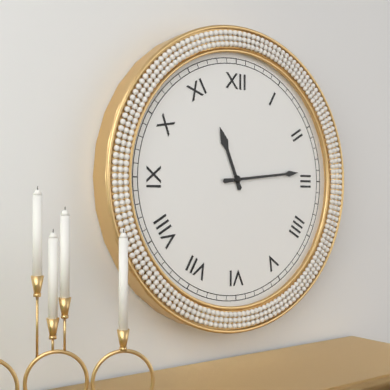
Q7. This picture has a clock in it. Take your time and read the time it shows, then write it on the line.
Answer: 11:14
